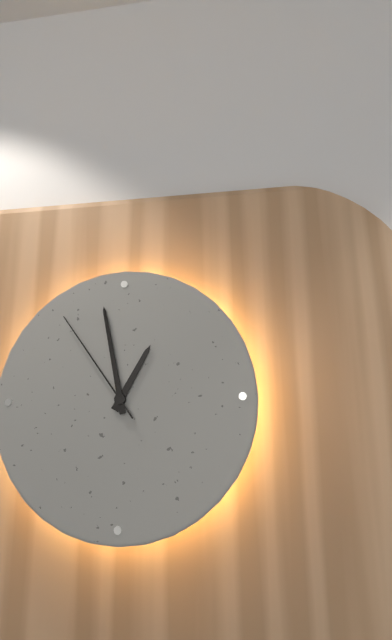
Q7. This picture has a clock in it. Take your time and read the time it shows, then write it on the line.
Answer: 12:58:54
